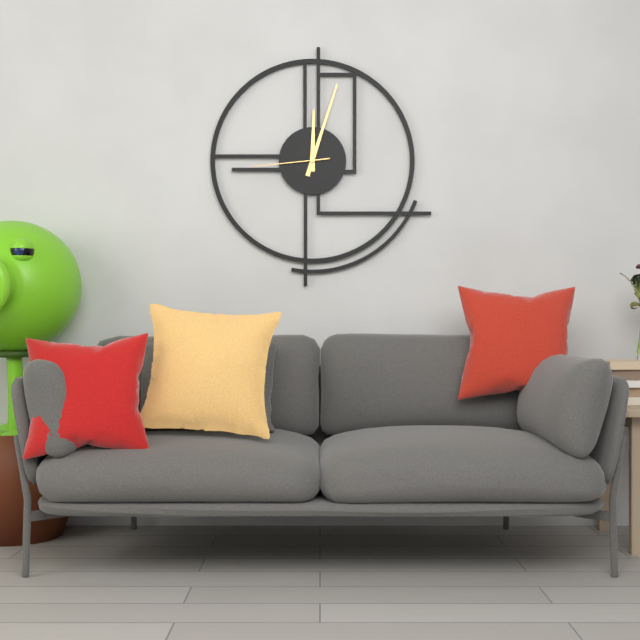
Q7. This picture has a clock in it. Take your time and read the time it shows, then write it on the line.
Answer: 12:03:44
